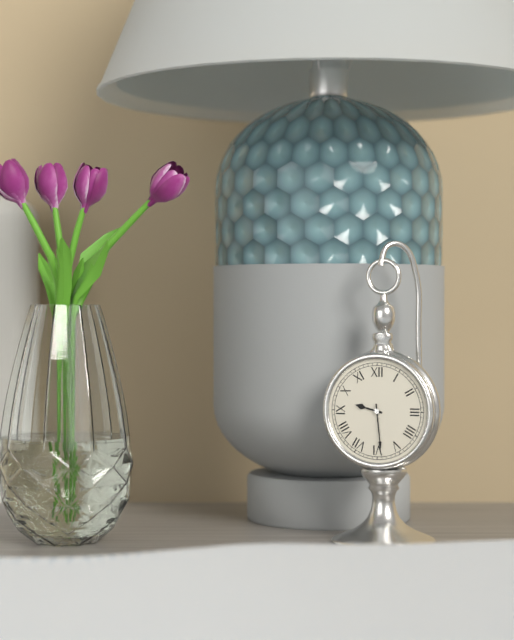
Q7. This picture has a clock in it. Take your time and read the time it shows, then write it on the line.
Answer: 9:29
